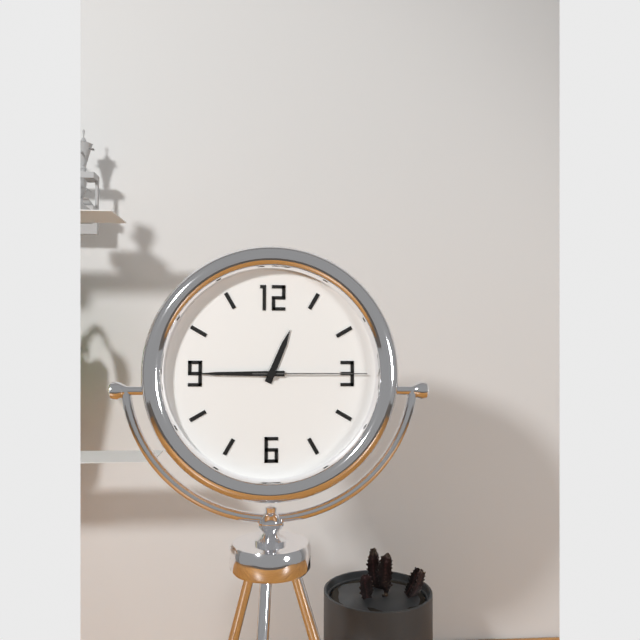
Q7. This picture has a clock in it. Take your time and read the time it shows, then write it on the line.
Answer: 12:45:15
